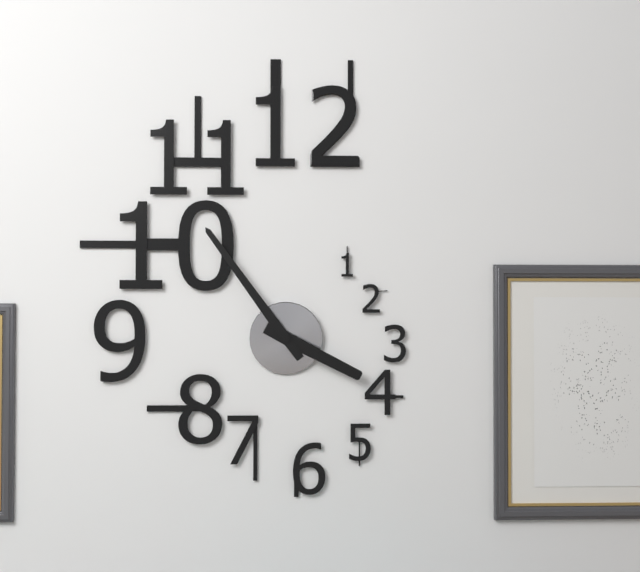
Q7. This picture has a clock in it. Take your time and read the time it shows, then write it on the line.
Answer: 3:54
